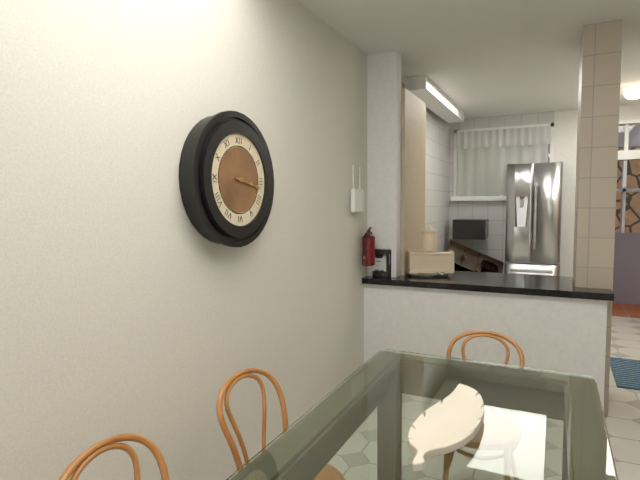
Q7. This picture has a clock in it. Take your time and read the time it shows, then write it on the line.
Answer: 3:17
